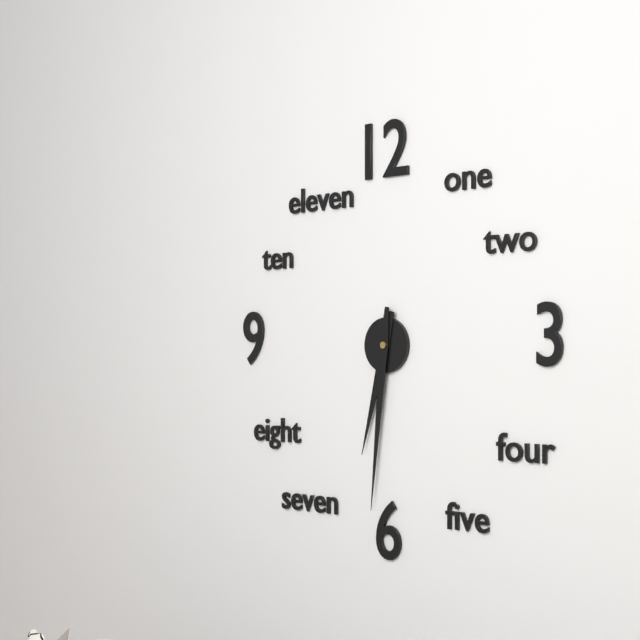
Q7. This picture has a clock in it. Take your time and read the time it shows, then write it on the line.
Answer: 6:31
